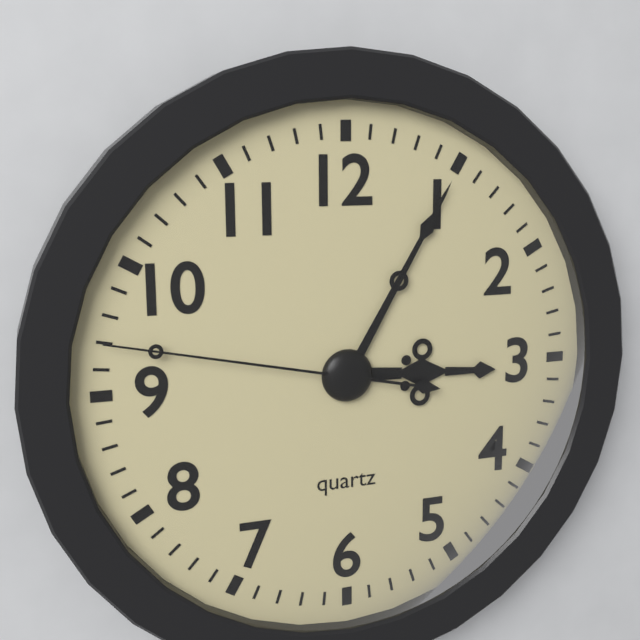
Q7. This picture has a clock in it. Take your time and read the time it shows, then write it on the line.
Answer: 3:05:47
